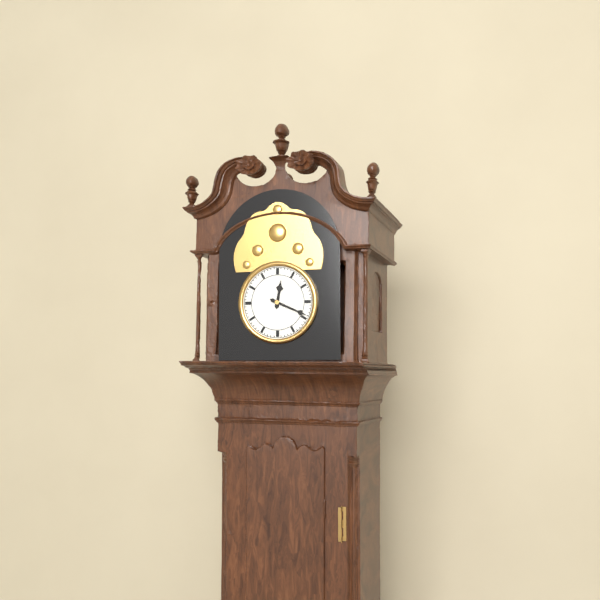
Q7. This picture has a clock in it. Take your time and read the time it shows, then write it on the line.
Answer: 12:19
